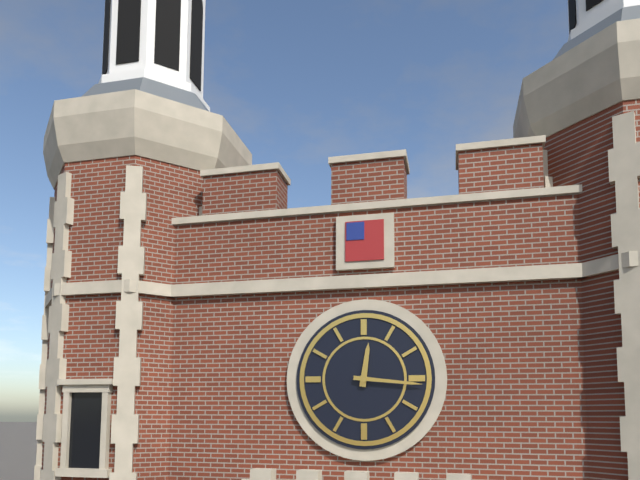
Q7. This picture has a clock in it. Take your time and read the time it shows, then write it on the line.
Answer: 12:16
